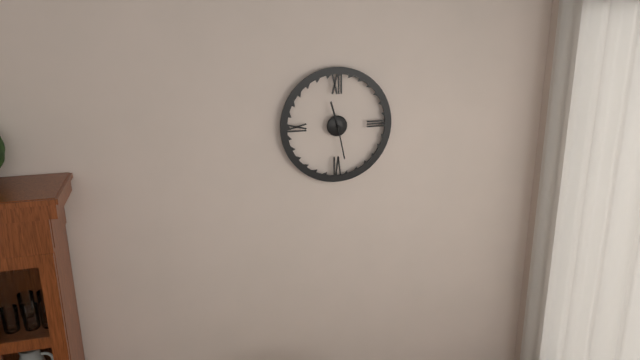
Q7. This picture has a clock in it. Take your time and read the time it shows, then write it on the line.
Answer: 11:28
